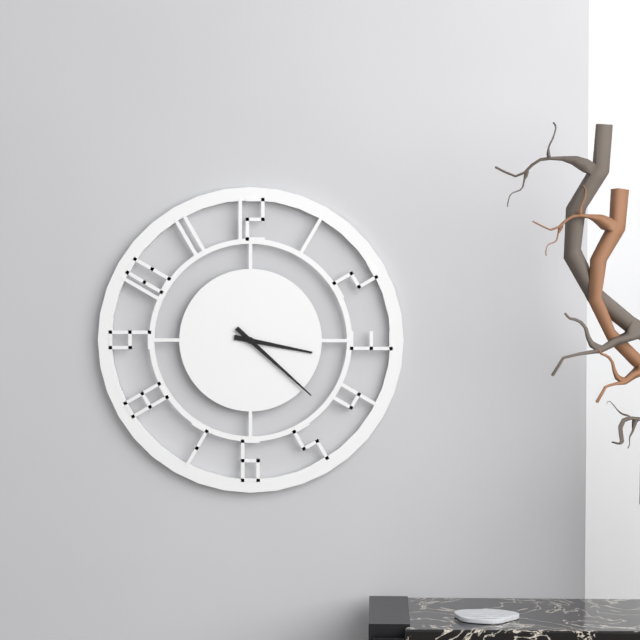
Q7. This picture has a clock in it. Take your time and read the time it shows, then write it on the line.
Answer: 3:22
